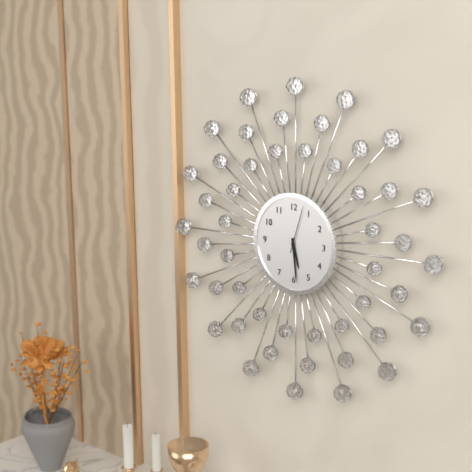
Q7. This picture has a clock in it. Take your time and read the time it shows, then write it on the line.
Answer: 5:29:03
